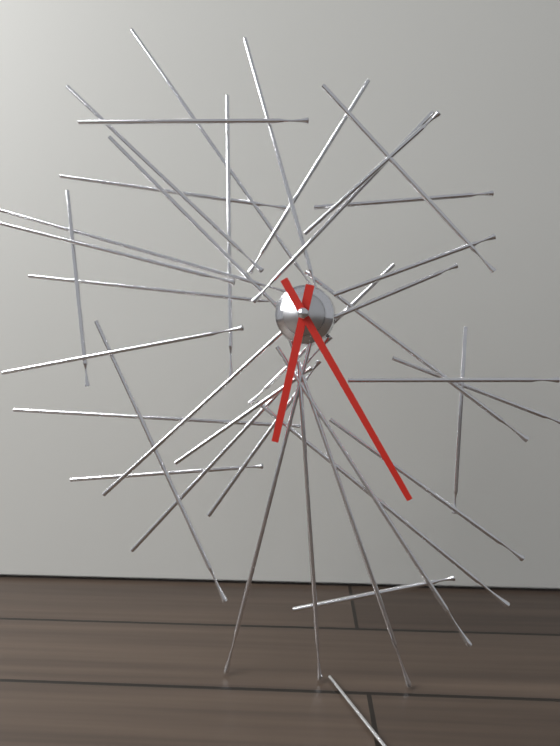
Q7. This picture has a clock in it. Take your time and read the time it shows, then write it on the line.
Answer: 6:25
